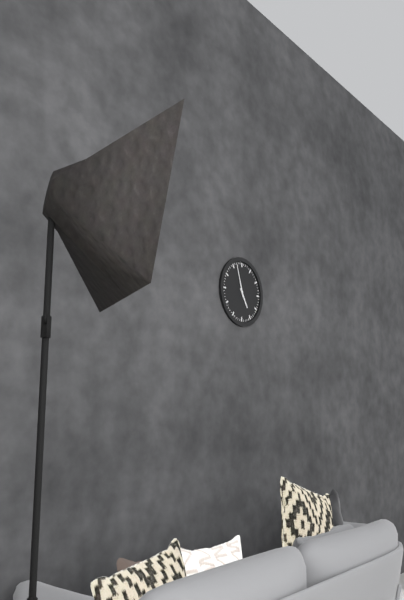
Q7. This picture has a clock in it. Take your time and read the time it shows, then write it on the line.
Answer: 4:57
